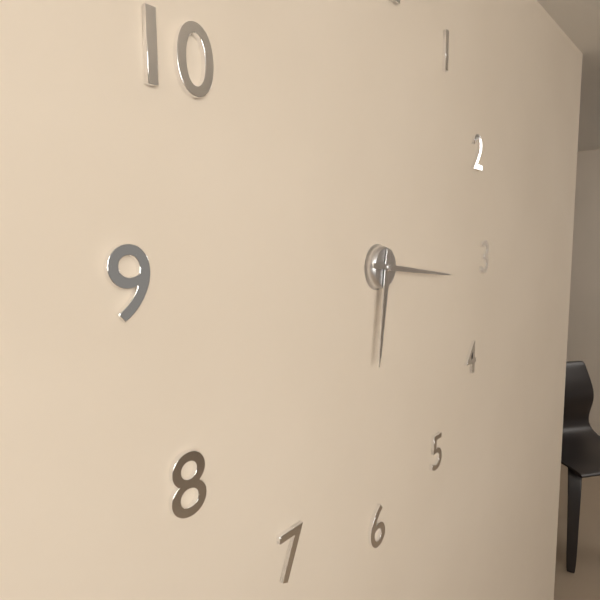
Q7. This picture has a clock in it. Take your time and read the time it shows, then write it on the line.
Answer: 6:16
